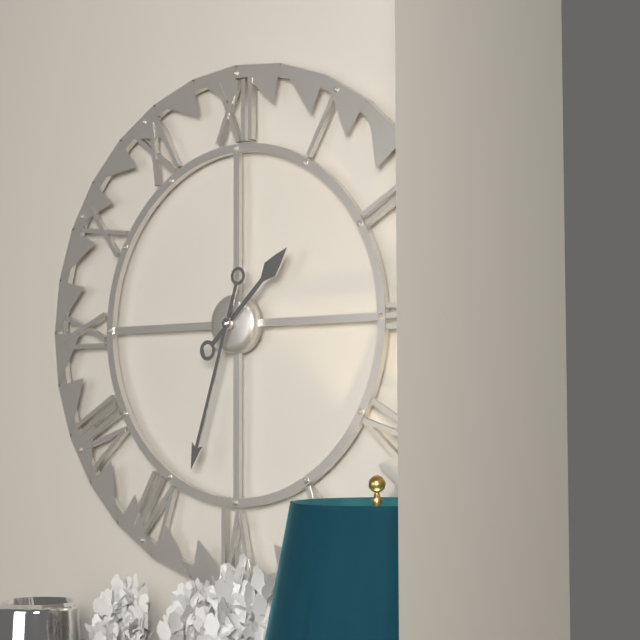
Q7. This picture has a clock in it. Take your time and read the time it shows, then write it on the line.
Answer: 1:33
